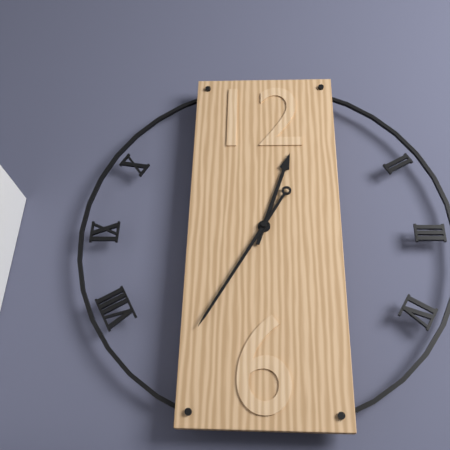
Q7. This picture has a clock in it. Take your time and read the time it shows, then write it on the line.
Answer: 12:35
